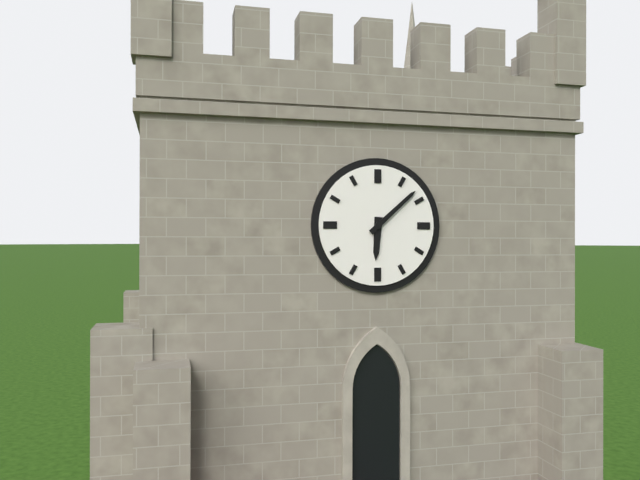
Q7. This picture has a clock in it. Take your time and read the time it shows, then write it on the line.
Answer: 6:08
